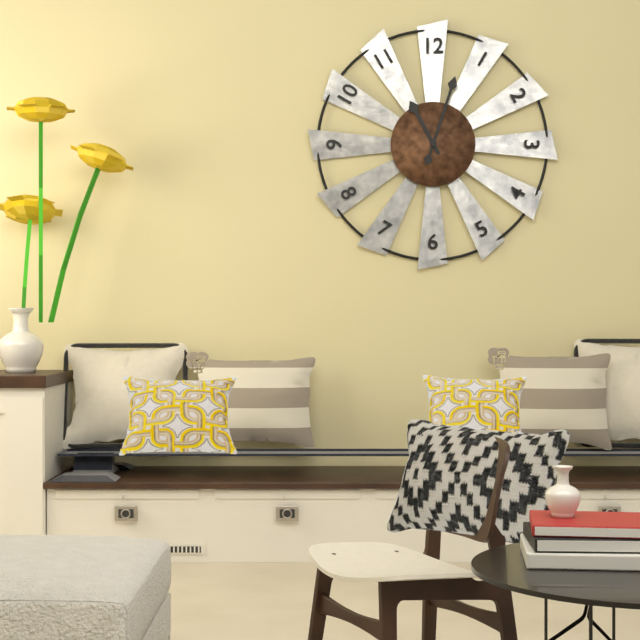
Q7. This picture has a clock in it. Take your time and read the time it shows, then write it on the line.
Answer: 11:03
